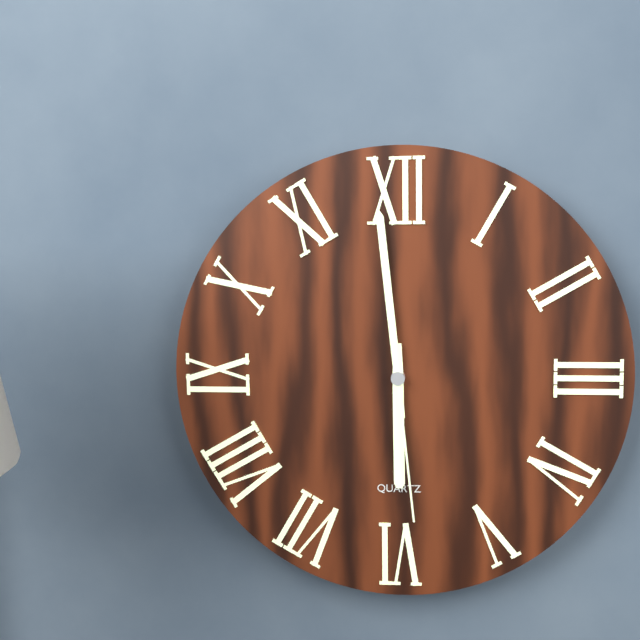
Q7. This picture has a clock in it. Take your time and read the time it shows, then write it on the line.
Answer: 5:59:29
